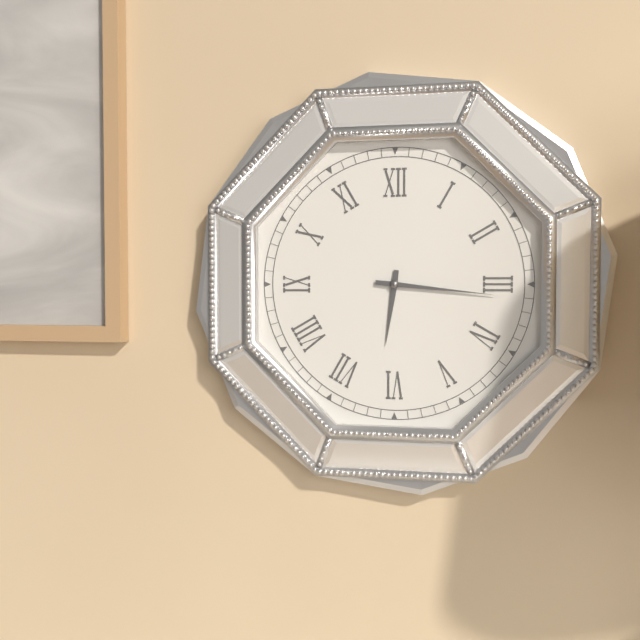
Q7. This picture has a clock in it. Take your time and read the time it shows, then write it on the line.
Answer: 6:16
